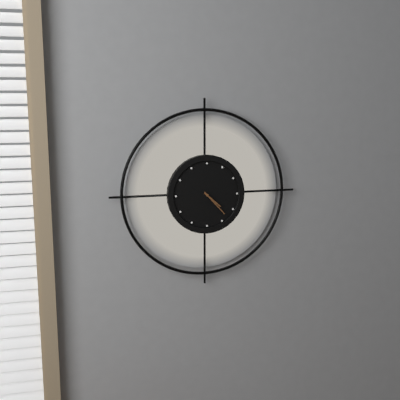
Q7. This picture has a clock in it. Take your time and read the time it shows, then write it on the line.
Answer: 4:23
